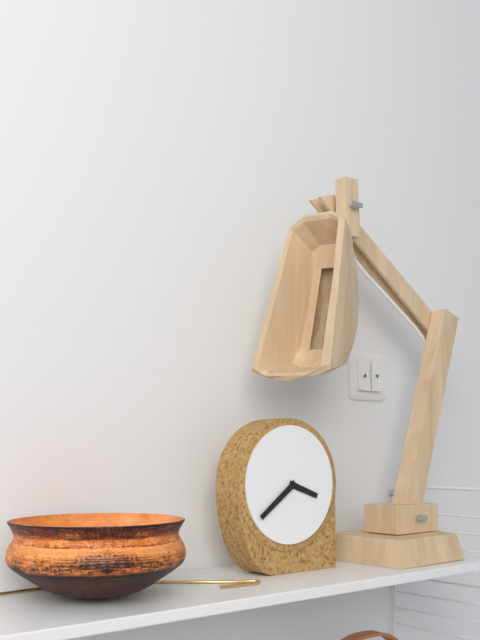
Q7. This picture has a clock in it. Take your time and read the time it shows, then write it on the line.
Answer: 3:39
